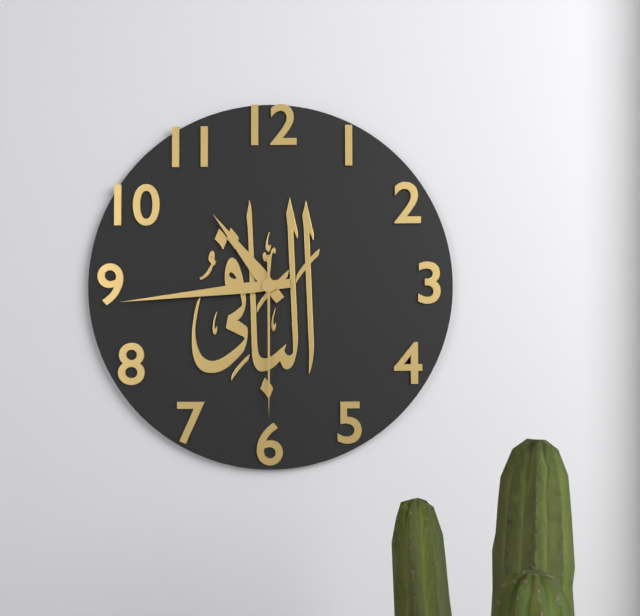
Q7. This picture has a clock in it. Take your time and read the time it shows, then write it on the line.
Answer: 10:44:30
